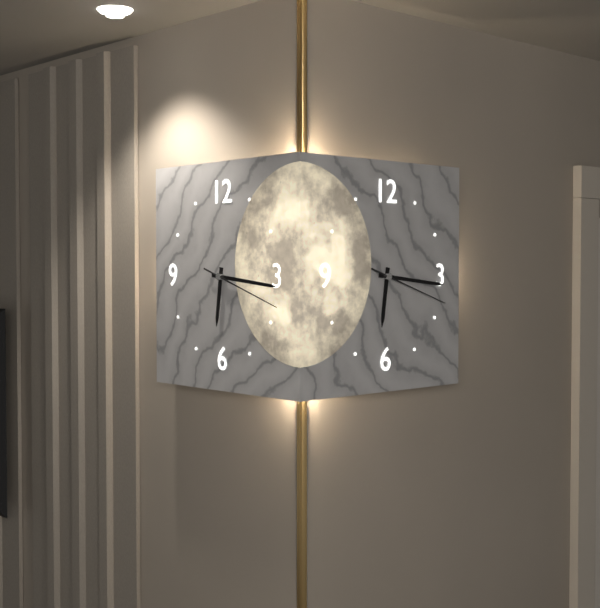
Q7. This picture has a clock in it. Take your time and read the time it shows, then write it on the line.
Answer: 6:16:18
